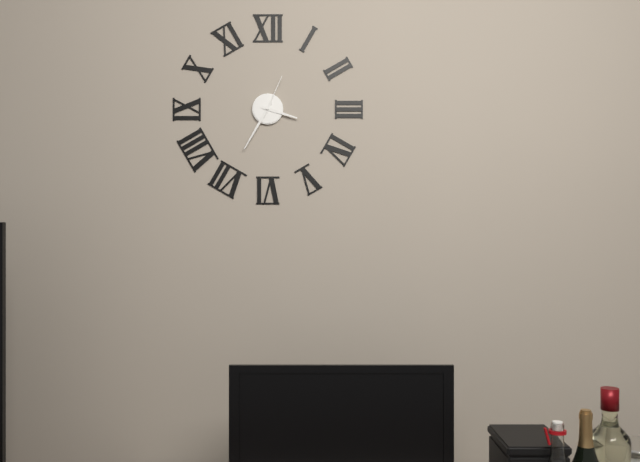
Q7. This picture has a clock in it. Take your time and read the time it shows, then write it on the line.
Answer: 3:35
